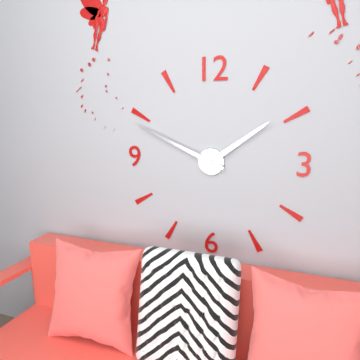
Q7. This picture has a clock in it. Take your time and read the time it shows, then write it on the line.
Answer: 1:49
